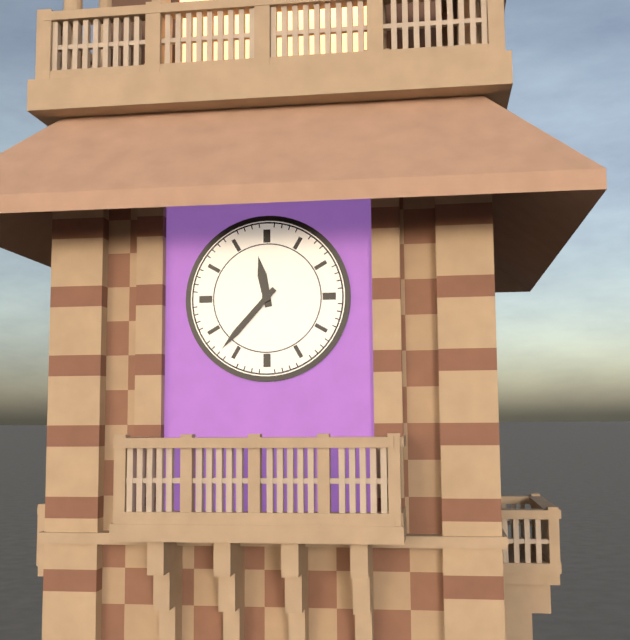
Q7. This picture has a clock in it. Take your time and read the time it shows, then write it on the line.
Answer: 11:37
